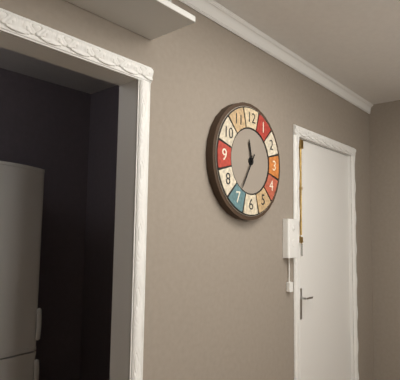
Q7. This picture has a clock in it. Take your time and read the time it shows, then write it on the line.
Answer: 11:35
